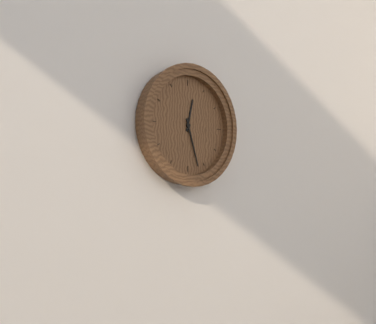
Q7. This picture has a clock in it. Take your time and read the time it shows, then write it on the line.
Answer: 12:27
